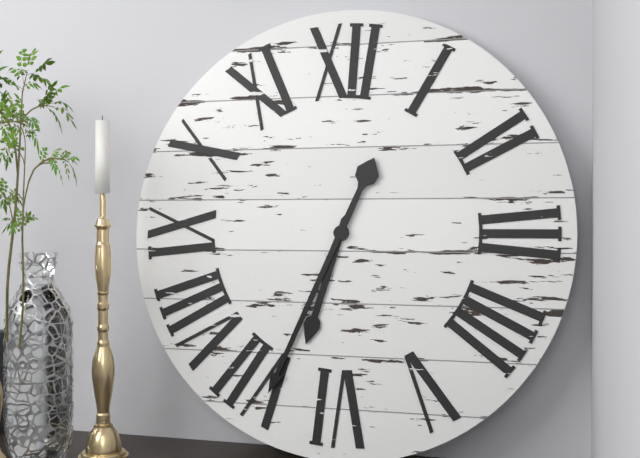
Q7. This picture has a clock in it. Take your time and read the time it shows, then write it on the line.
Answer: 6:34
